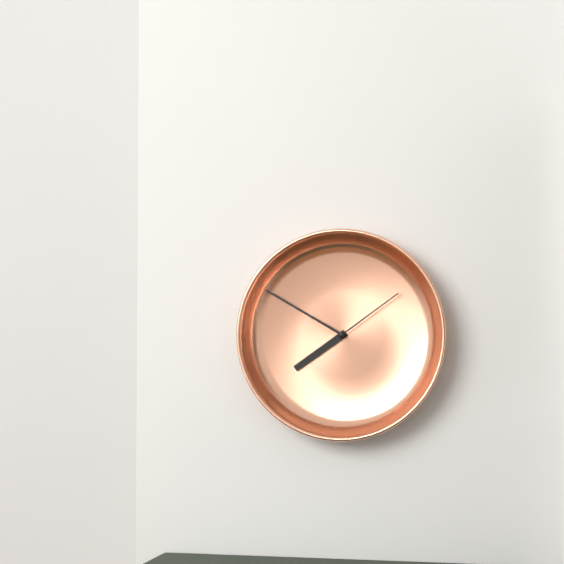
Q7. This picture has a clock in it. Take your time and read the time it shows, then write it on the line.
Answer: 7:50:09
